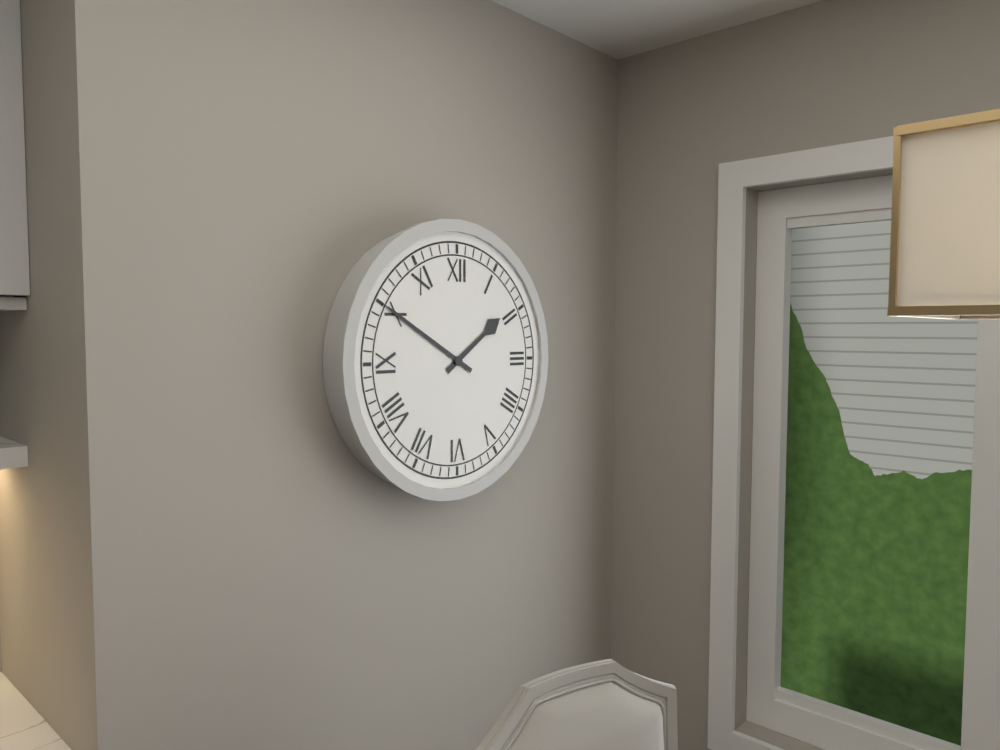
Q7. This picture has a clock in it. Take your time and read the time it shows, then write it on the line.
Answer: 1:50
